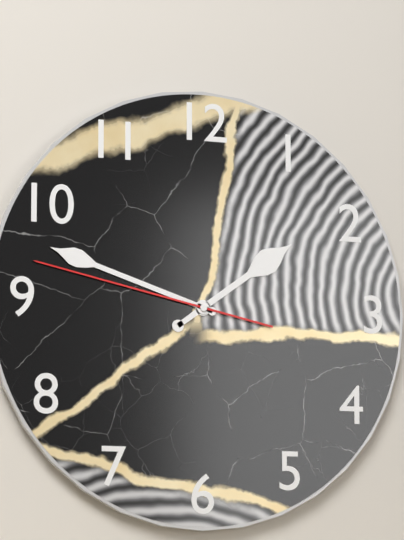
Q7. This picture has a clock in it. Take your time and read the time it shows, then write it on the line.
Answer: 1:48:47
